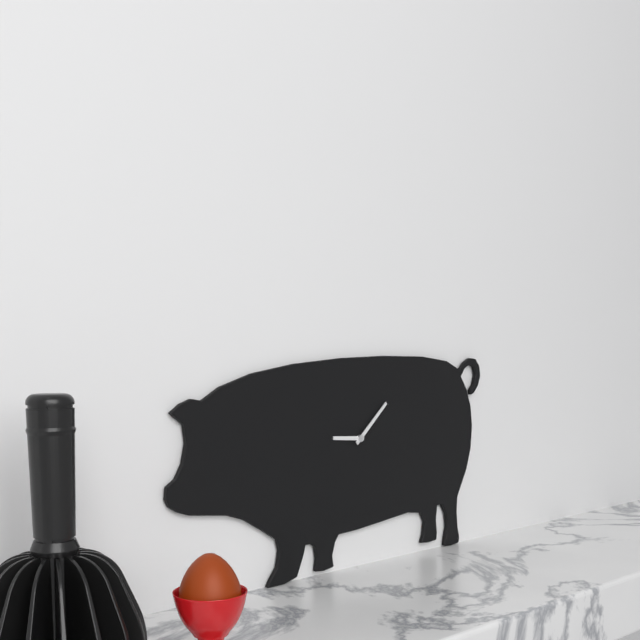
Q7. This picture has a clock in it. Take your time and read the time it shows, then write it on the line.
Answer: 9:08
